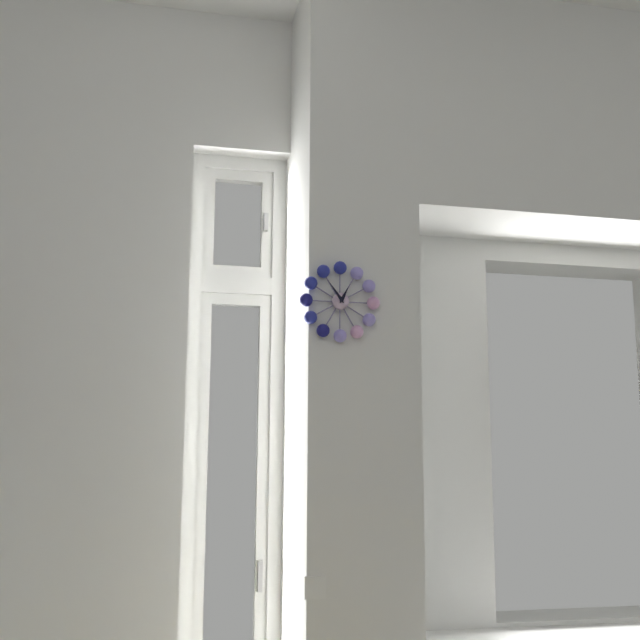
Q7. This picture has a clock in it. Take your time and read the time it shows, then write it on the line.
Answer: 12:54
